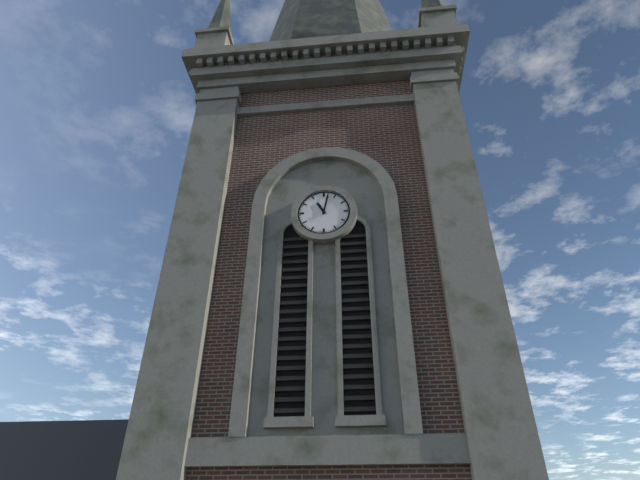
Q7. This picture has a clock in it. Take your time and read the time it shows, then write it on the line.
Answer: 11:02
